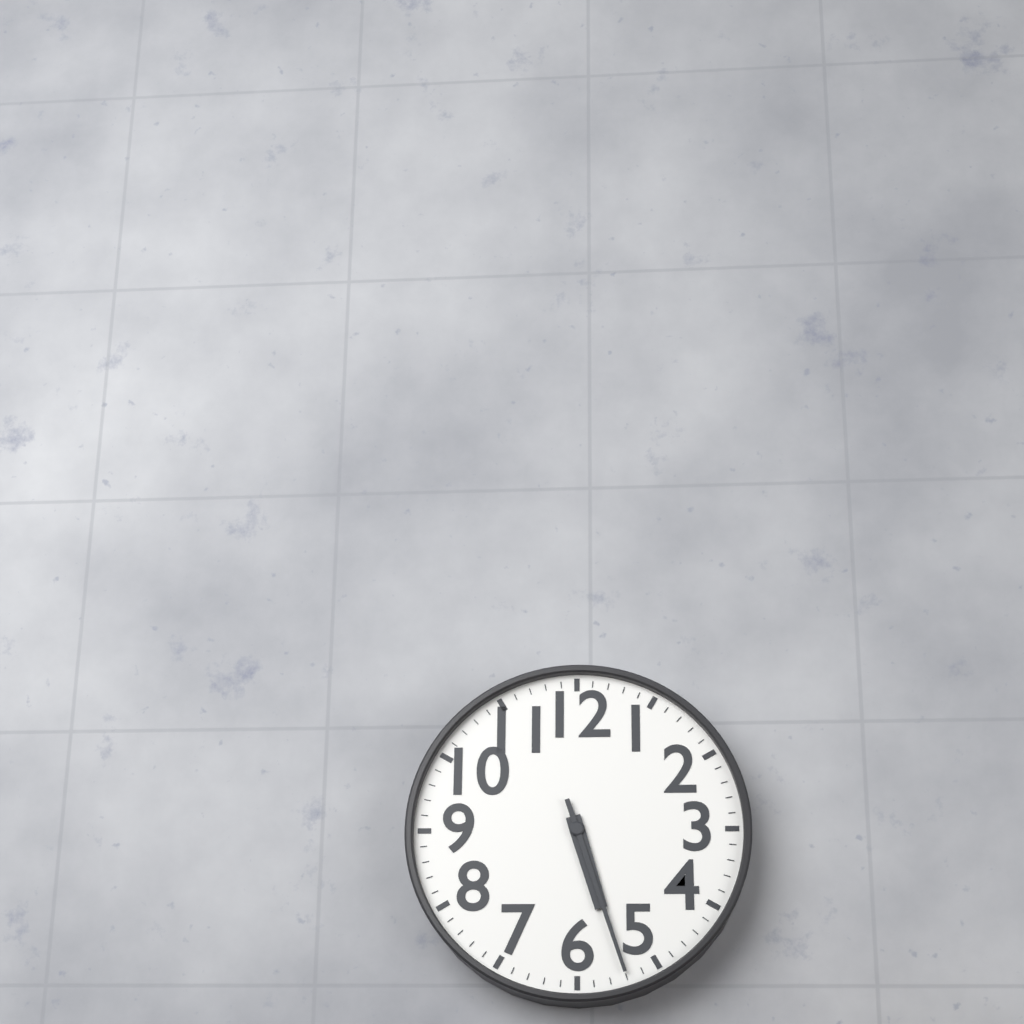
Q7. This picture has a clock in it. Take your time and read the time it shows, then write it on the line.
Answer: 5:27
